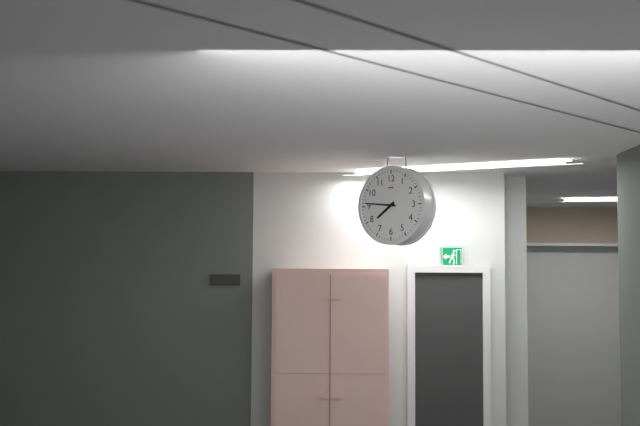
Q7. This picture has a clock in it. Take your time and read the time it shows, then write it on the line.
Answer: 7:46
